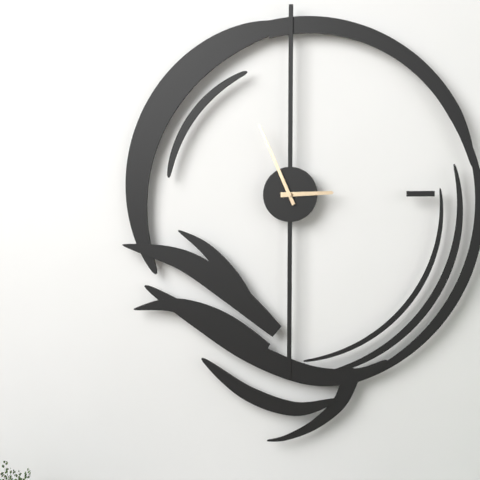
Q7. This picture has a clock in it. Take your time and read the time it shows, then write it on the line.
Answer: 2:56
